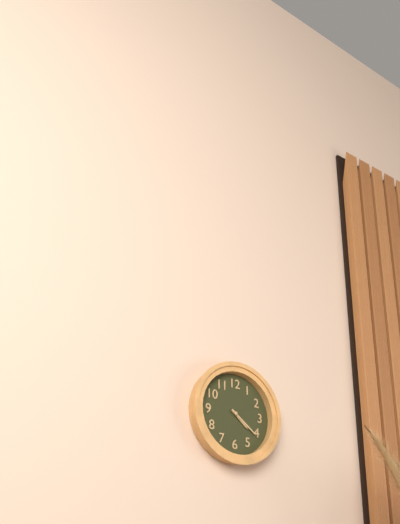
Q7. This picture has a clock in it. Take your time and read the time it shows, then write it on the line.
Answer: 4:21
